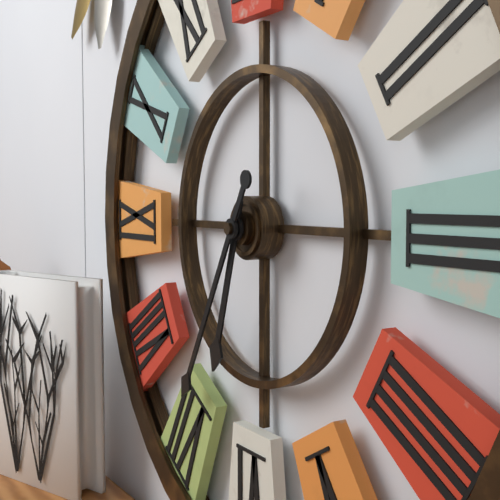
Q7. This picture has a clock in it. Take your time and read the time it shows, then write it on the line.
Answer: 6:35
